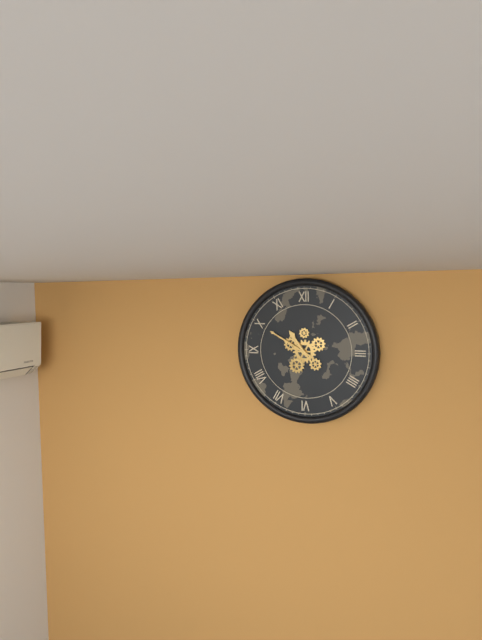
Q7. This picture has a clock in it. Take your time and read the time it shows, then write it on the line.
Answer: 10:50
